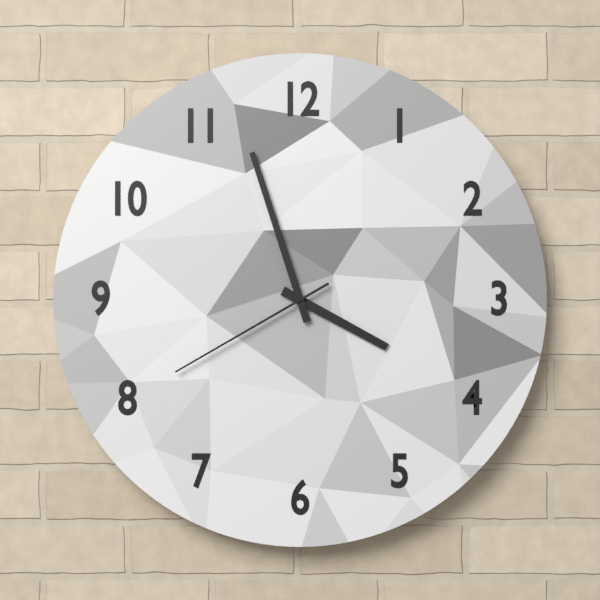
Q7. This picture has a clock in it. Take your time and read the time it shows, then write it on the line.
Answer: 3:57:40
